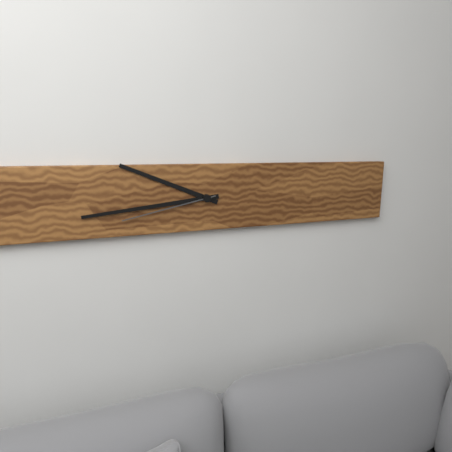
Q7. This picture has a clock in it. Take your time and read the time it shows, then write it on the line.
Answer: 9:44:43
